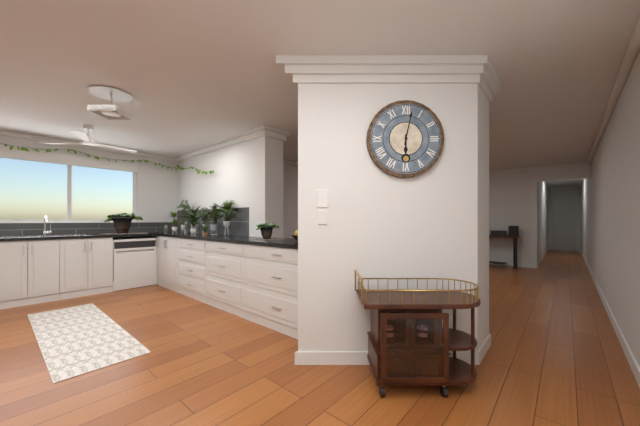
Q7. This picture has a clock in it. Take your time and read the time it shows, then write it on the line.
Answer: 6:02
